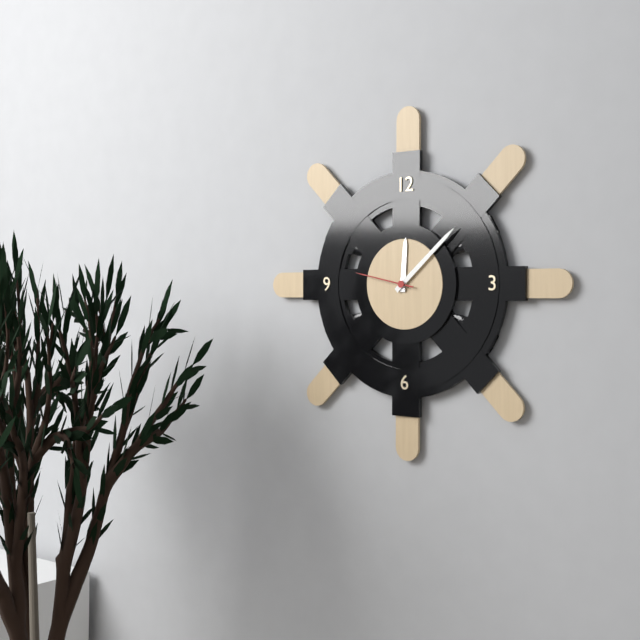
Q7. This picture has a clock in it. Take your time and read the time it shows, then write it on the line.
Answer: 12:08:47
